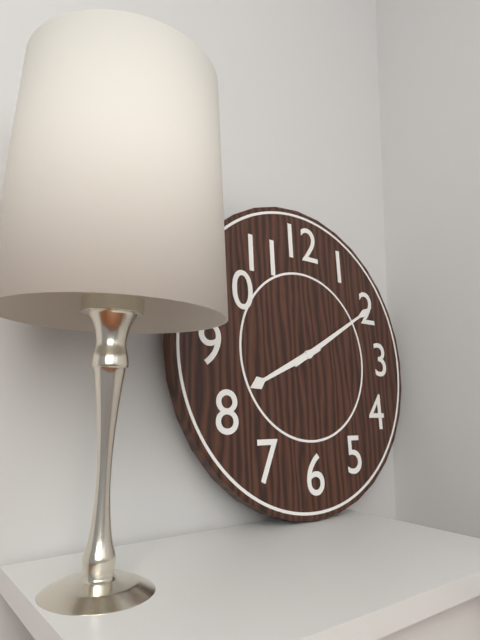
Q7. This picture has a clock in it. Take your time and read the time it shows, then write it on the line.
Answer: 8:10
